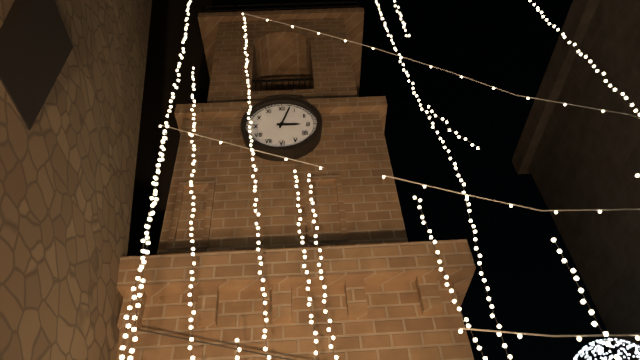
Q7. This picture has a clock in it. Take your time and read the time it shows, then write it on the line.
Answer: 3:03
